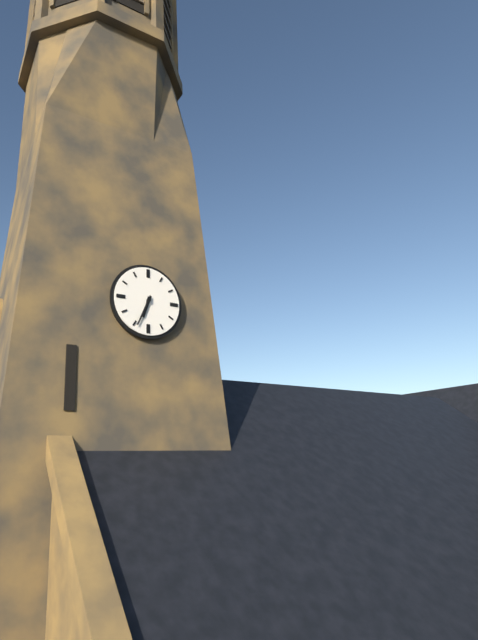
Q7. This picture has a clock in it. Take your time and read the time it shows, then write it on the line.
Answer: 6:34
